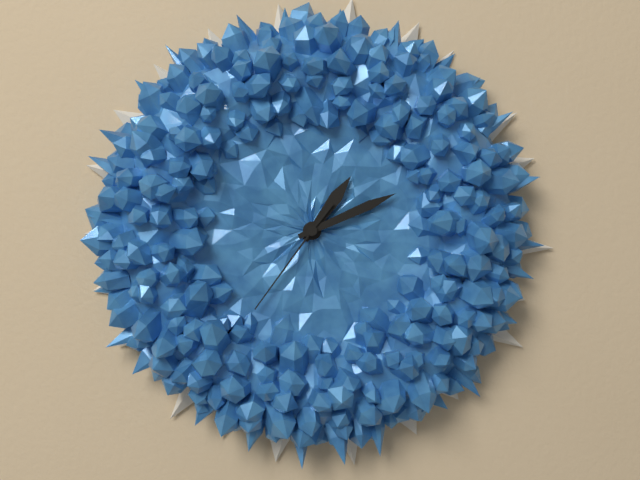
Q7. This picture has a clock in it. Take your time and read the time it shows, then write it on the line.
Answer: 1:11:36
